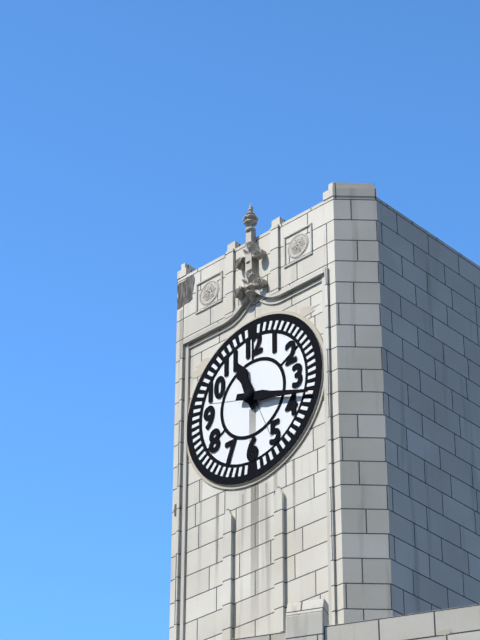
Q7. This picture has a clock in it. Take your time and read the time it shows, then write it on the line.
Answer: 11:18
